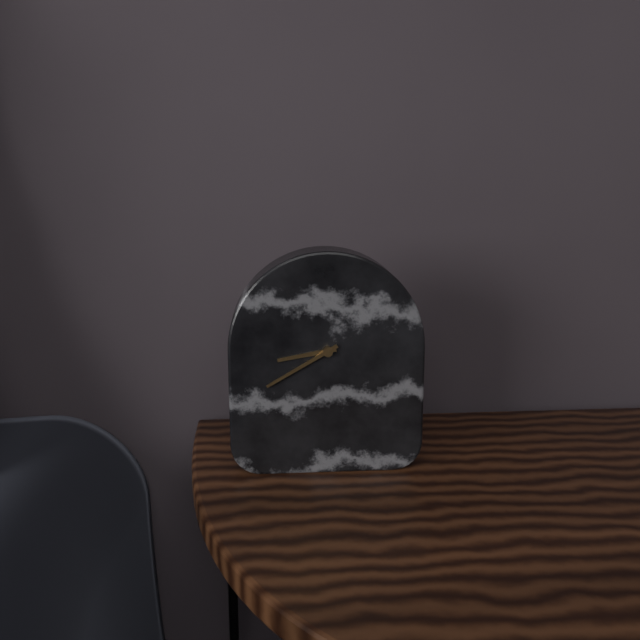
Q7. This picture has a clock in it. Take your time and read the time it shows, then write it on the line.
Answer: 8:40
